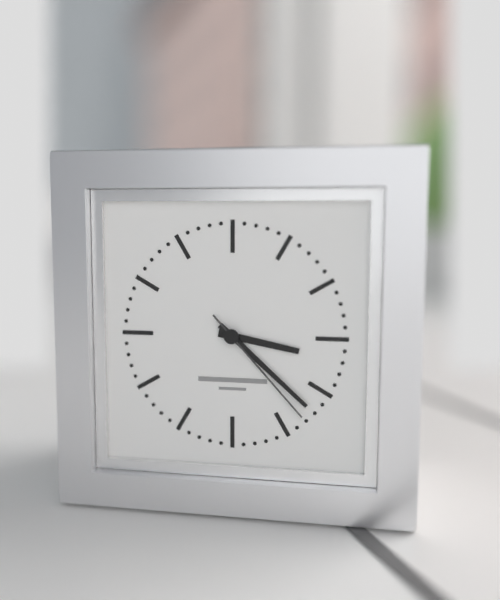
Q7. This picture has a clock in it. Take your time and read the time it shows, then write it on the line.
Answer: 3:22:23
